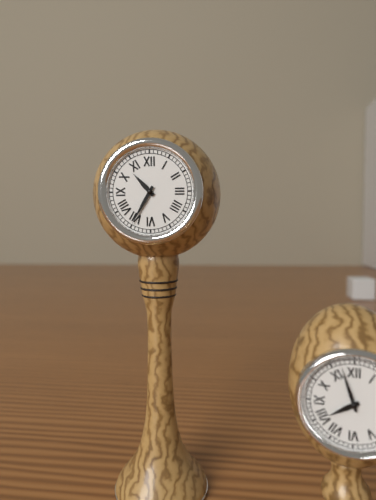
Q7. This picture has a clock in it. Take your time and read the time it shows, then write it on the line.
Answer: 10:35
